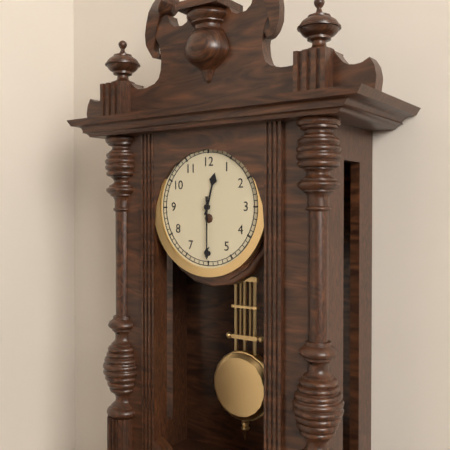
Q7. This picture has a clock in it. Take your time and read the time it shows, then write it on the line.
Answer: 12:30
